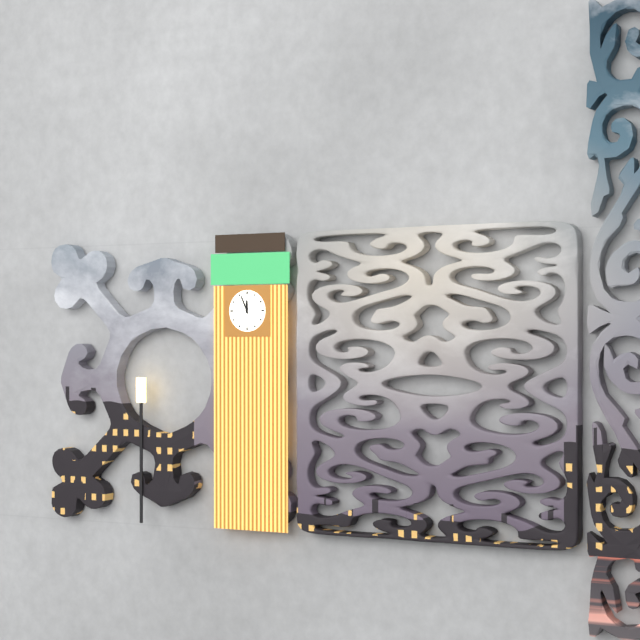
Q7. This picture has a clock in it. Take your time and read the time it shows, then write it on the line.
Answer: 11:56
